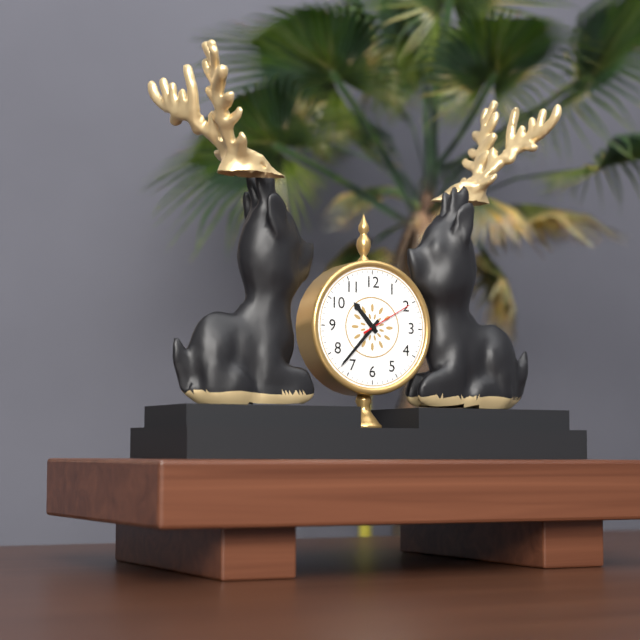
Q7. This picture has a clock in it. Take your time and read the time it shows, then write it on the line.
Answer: 10:37:10
